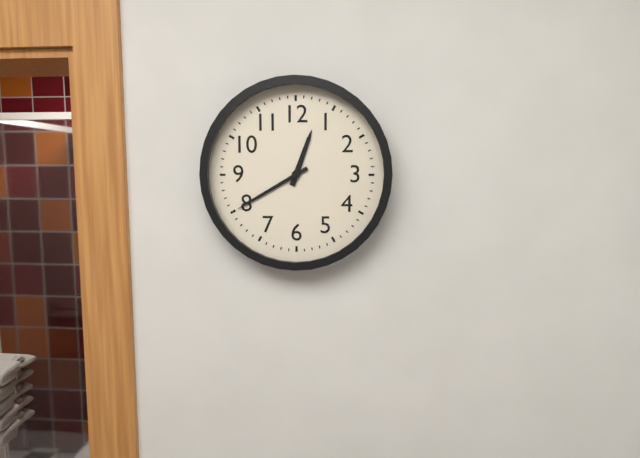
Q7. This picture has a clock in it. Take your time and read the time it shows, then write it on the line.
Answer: 12:40
